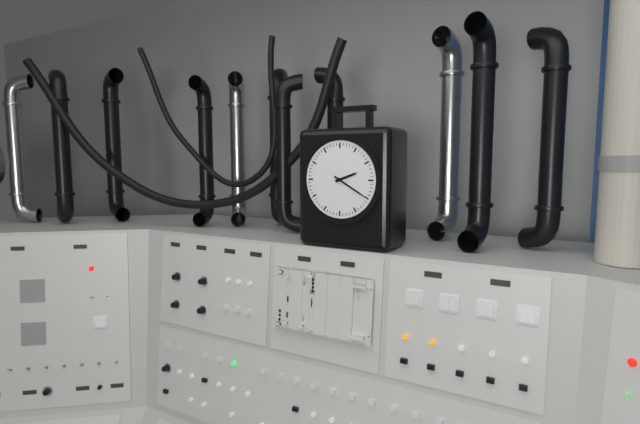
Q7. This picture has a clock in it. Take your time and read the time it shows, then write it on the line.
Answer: 2:20
